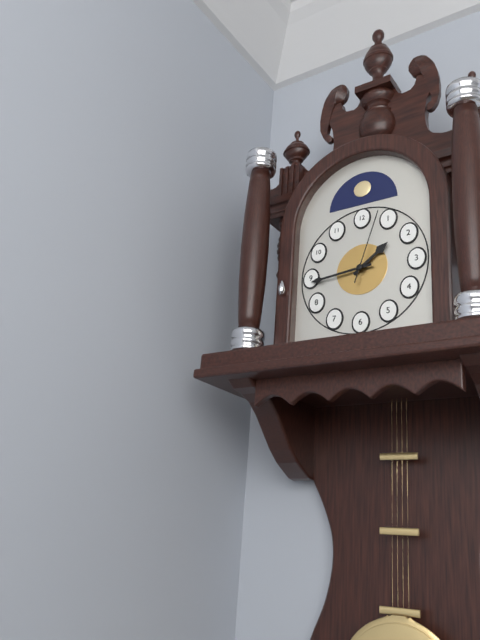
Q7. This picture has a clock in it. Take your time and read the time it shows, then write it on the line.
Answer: 1:44:03
